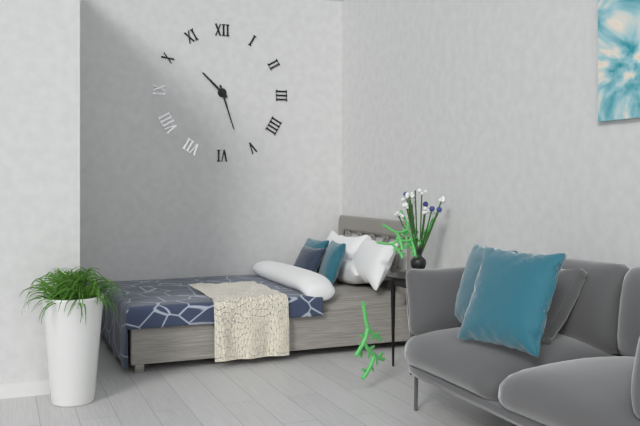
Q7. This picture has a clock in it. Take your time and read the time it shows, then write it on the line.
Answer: 10:27
